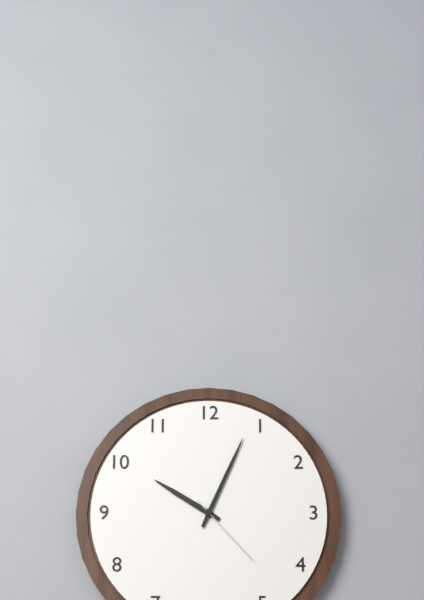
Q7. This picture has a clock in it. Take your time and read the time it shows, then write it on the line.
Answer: 10:04:23
